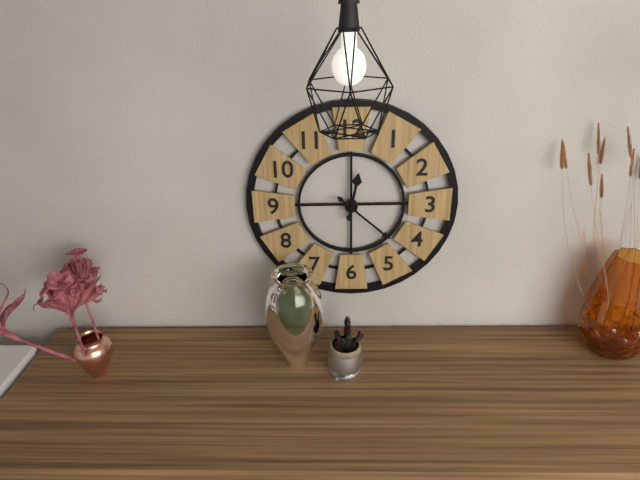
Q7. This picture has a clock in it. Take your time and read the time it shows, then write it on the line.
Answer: 12:22
